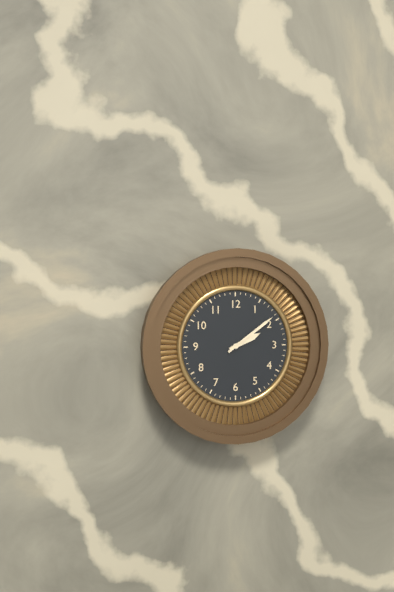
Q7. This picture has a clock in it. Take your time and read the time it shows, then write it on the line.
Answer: 2:09
